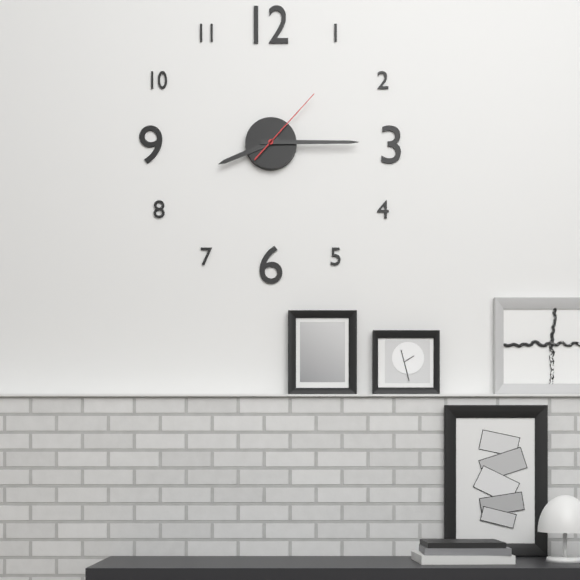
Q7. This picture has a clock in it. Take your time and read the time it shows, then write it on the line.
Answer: 8:15:07
